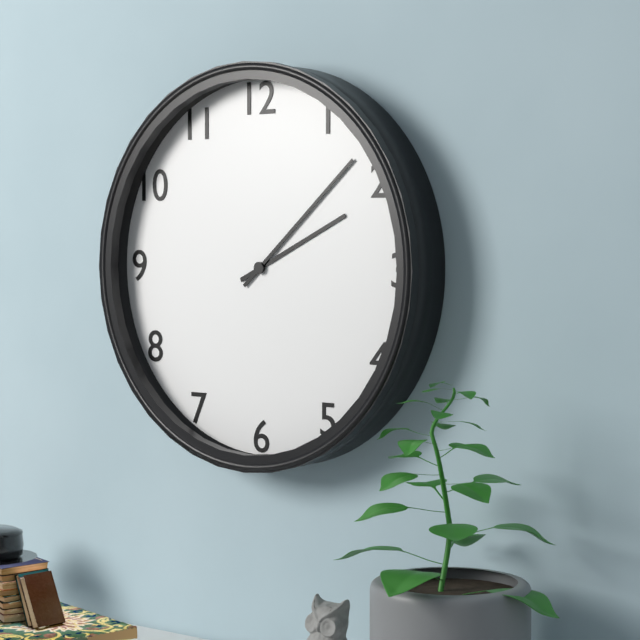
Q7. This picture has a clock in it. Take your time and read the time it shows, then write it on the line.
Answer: 2:08
